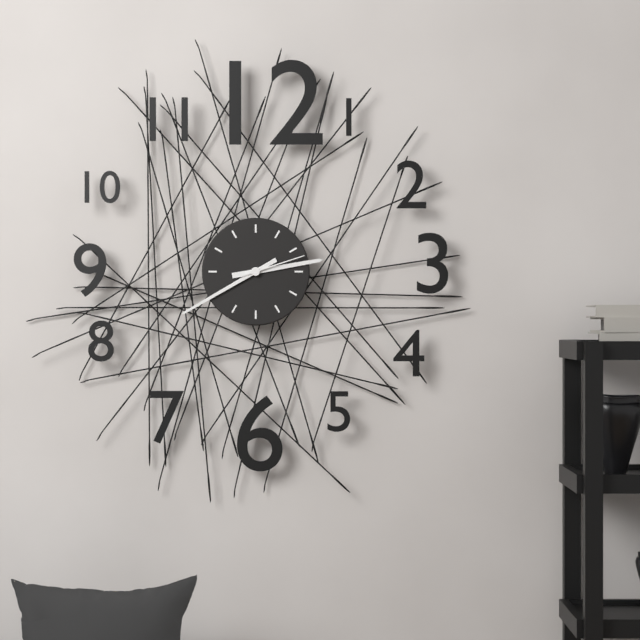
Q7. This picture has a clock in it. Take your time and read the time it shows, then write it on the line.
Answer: 2:40:12
